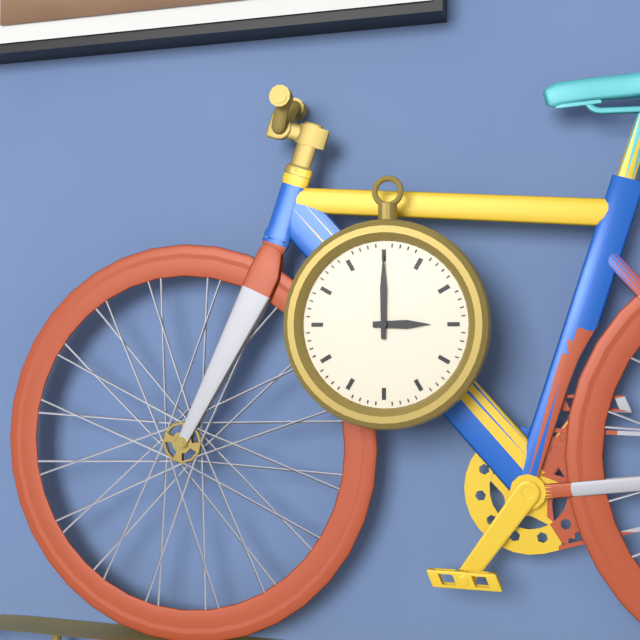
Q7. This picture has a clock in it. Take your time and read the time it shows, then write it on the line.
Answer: 3:00
